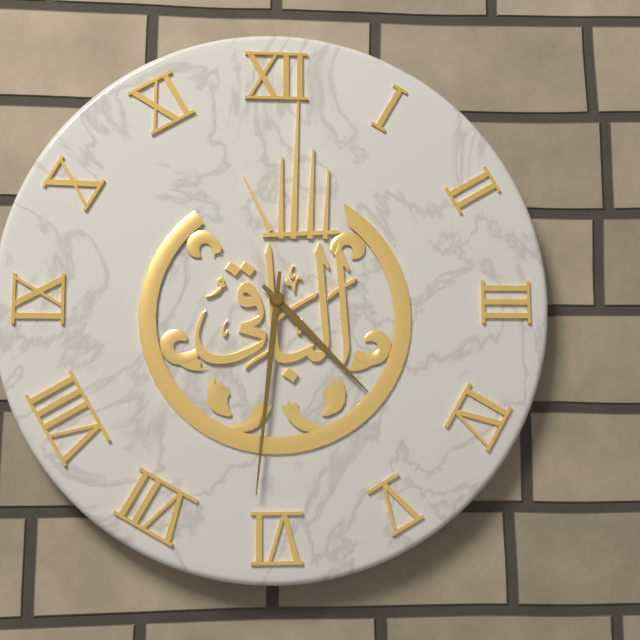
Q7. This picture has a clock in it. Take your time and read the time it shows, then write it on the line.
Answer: 4:31
